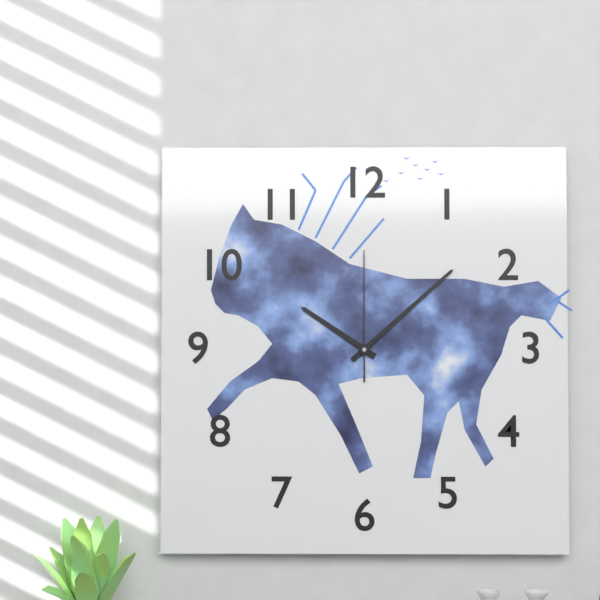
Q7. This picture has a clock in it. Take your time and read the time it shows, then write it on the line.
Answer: 10:08:00
